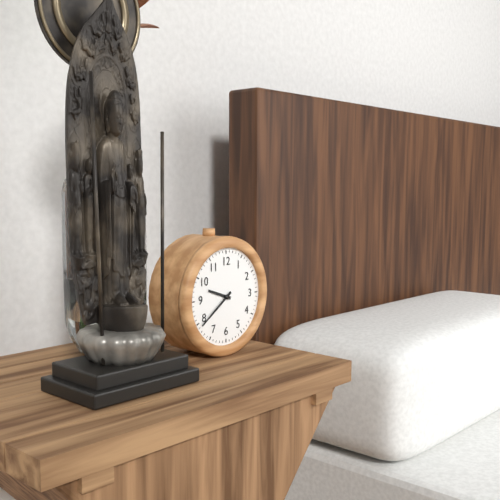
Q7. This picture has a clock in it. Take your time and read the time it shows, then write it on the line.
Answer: 9:39
